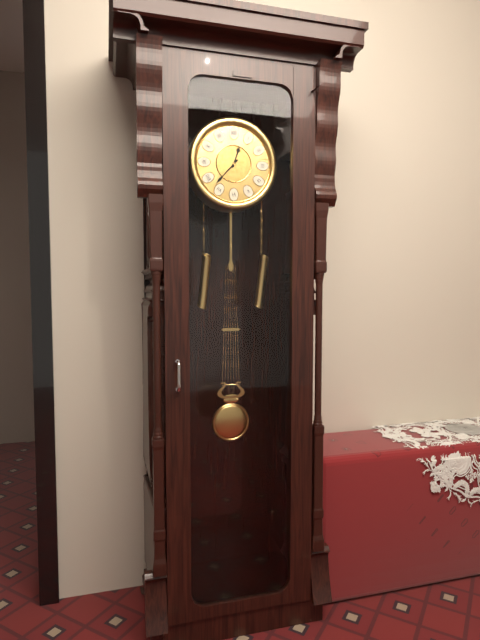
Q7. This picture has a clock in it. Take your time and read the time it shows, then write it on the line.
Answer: 12:37
